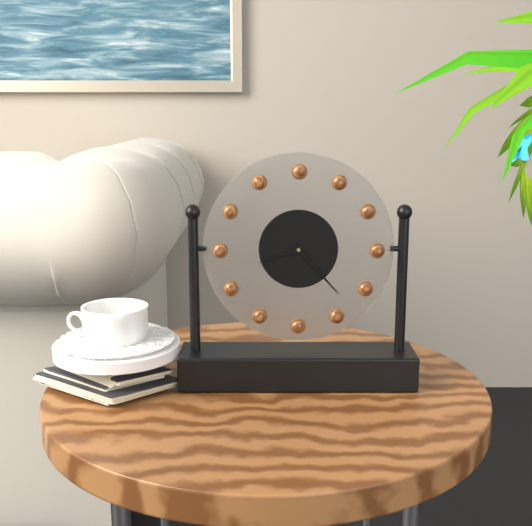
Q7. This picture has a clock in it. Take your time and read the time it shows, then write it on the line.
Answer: 8:23
